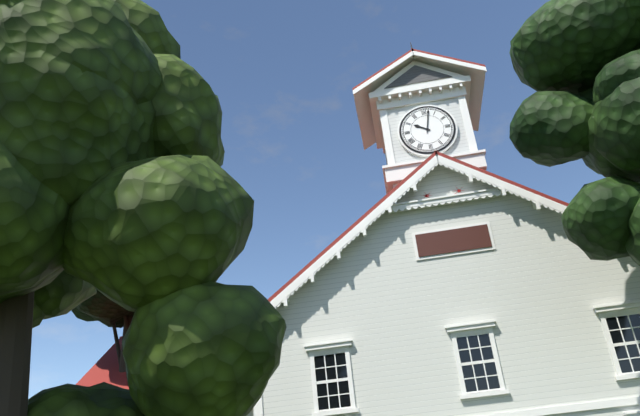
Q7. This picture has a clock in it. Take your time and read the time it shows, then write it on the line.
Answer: 10:02
